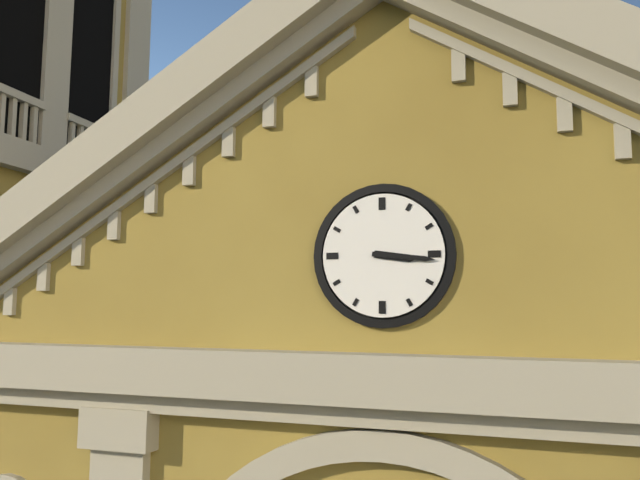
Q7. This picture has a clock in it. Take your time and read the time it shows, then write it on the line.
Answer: 3:16
